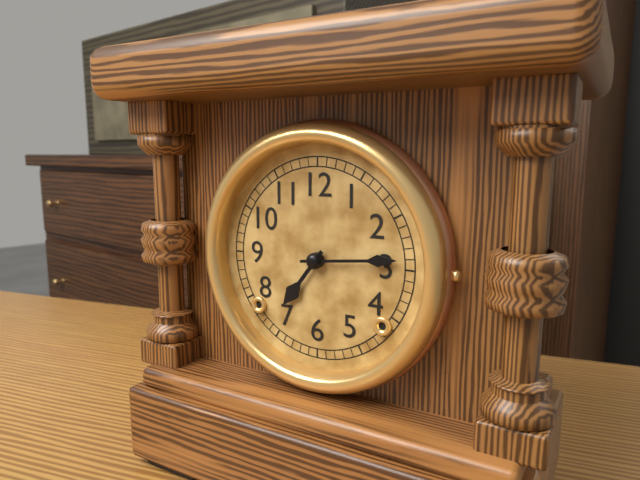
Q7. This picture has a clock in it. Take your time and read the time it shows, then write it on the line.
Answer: 7:14
